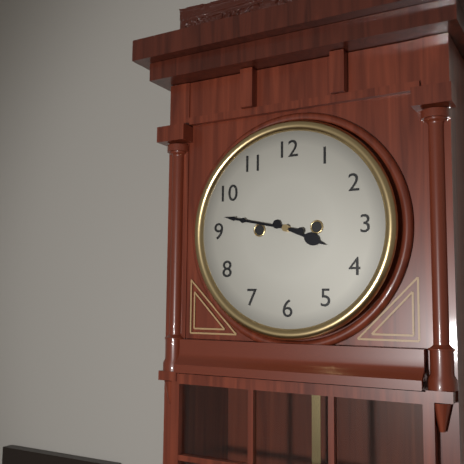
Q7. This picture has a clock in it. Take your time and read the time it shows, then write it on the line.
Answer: 3:47
